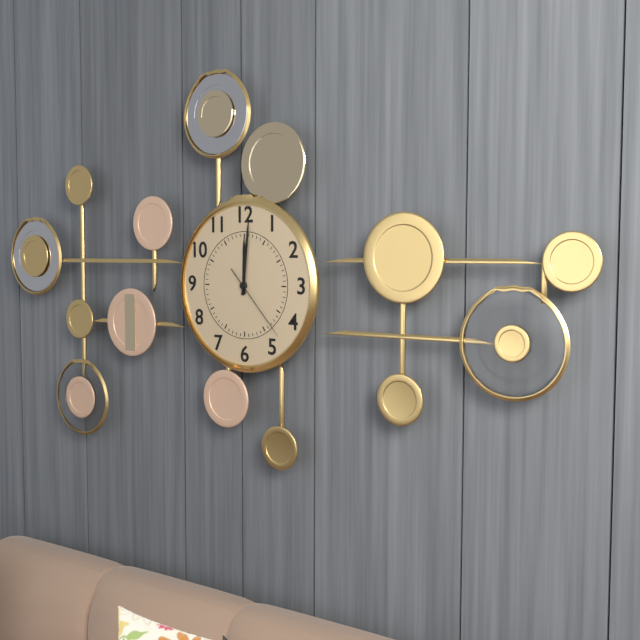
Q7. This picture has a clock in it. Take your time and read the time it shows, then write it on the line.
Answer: 12:01:23
